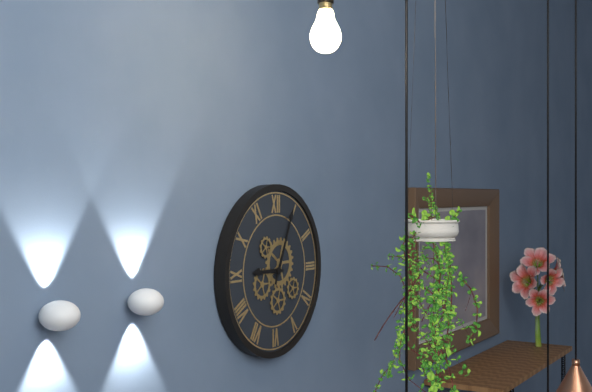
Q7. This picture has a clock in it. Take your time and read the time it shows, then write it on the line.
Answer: 9:04
